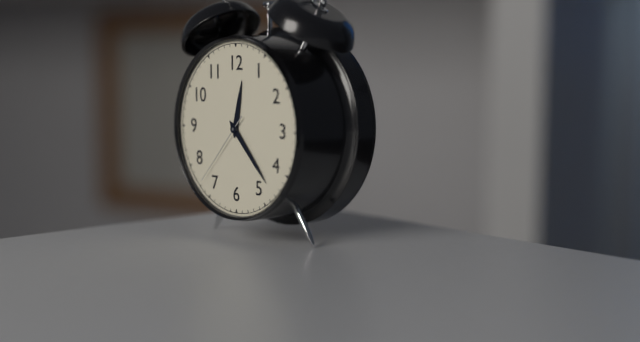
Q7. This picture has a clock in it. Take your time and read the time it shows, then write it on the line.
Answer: 12:23:37
